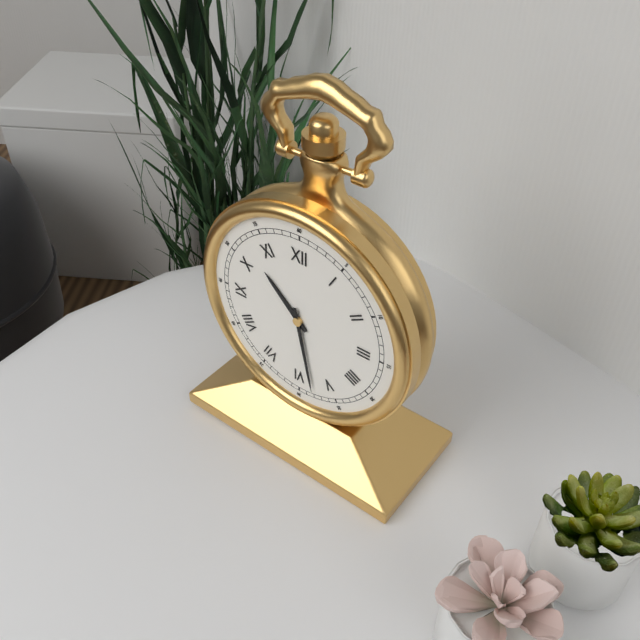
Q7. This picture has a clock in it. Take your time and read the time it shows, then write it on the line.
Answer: 10:28
